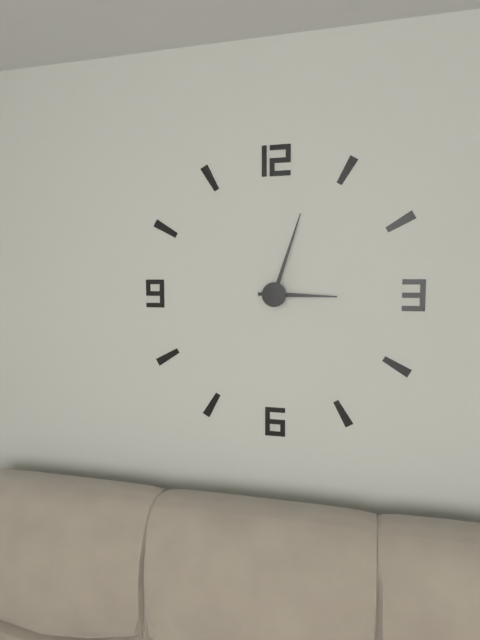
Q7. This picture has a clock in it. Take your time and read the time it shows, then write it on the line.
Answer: 3:03
